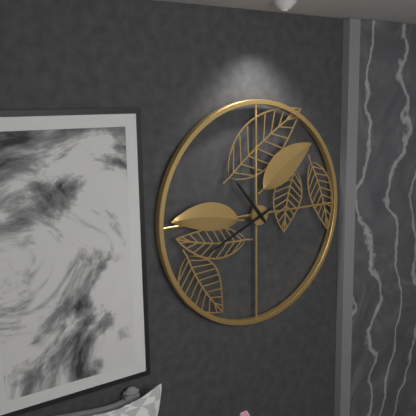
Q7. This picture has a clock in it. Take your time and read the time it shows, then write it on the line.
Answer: 10:41
